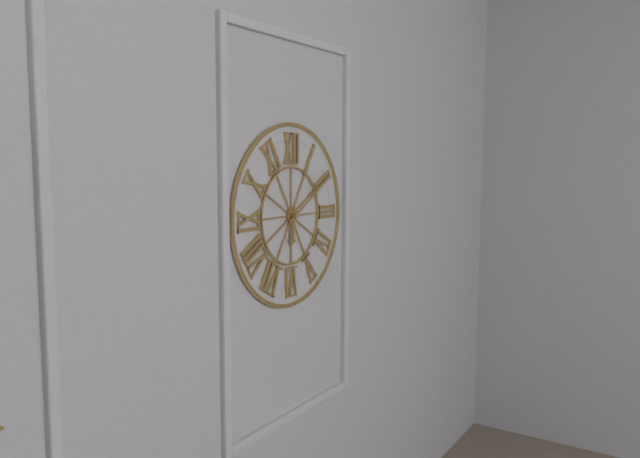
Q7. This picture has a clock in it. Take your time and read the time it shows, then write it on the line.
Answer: 6:10
